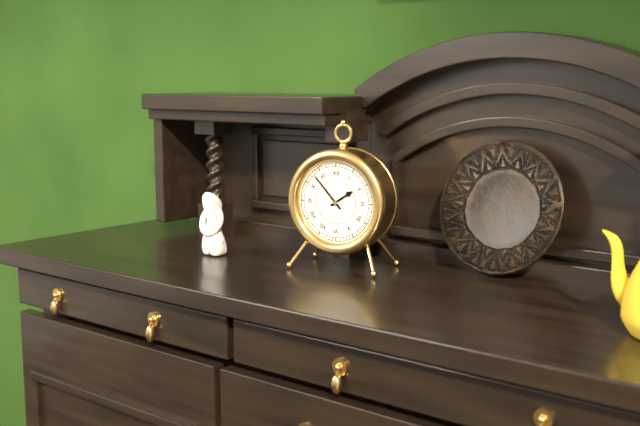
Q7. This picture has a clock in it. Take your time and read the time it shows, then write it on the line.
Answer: 1:53
